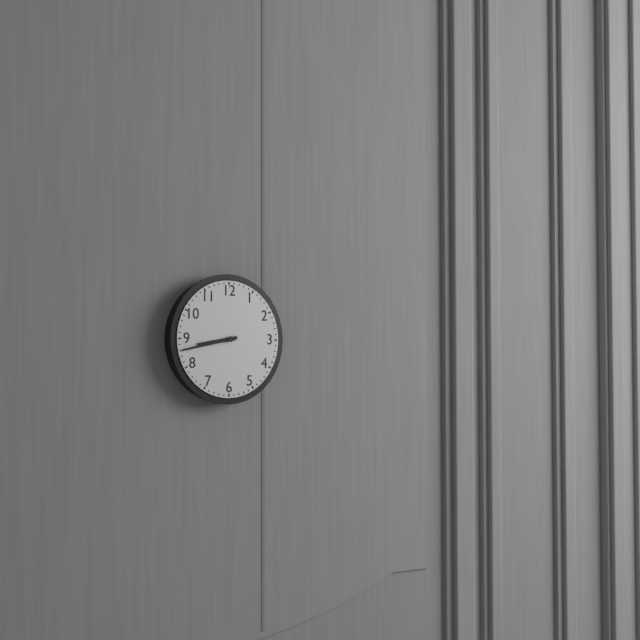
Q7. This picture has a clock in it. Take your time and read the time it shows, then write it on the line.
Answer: 8:43
